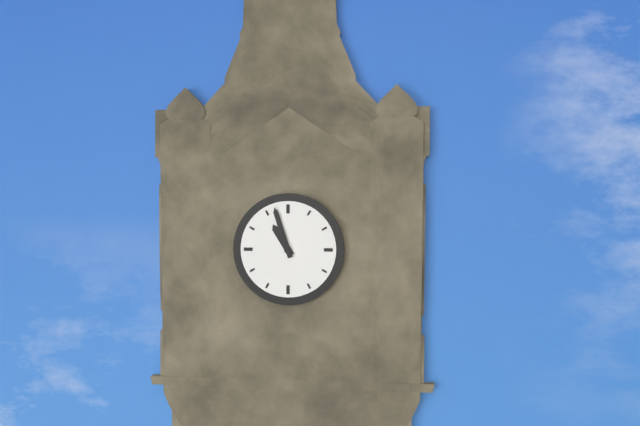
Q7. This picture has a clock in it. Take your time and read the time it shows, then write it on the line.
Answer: 10:57
